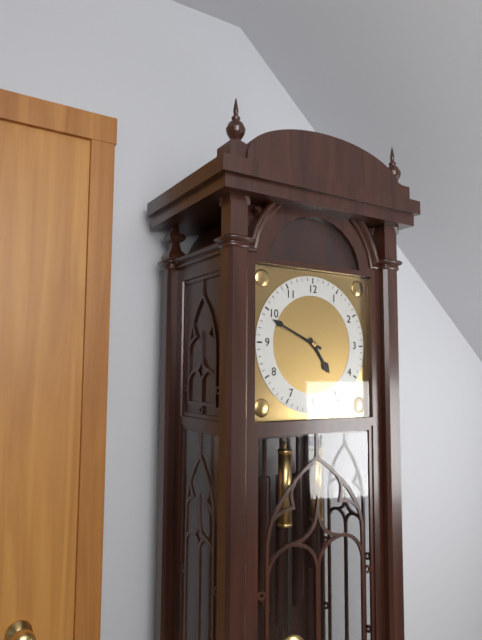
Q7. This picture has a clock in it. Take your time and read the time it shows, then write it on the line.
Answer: 4:49
